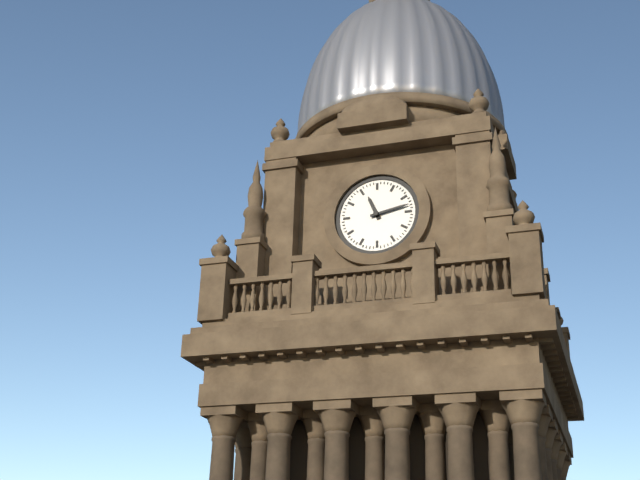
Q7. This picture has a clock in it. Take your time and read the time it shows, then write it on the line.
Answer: 11:13
